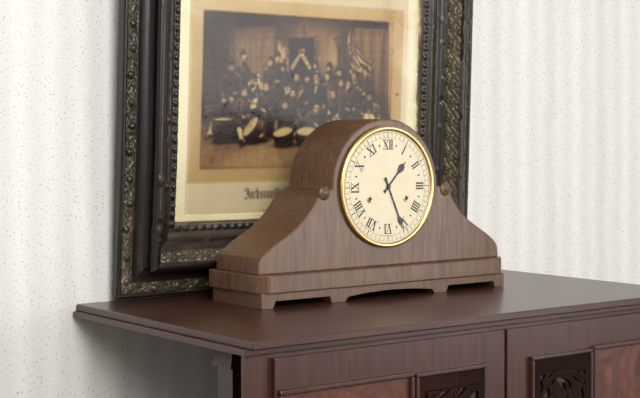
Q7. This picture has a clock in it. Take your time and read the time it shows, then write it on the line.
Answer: 1:26
